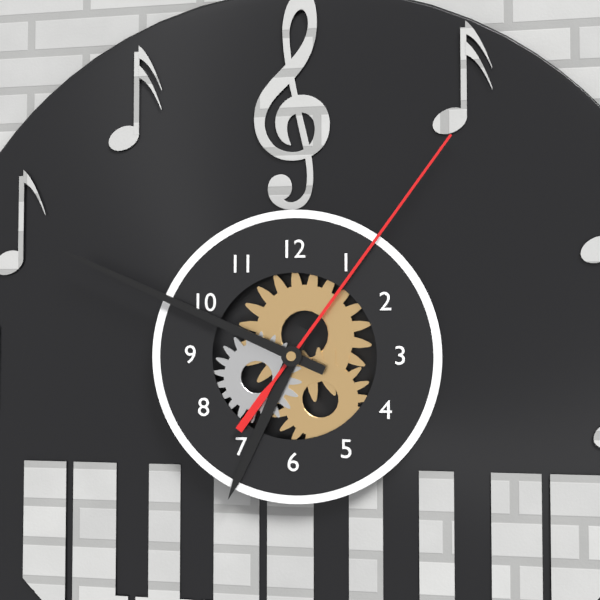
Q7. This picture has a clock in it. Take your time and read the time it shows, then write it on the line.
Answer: 6:49:06
